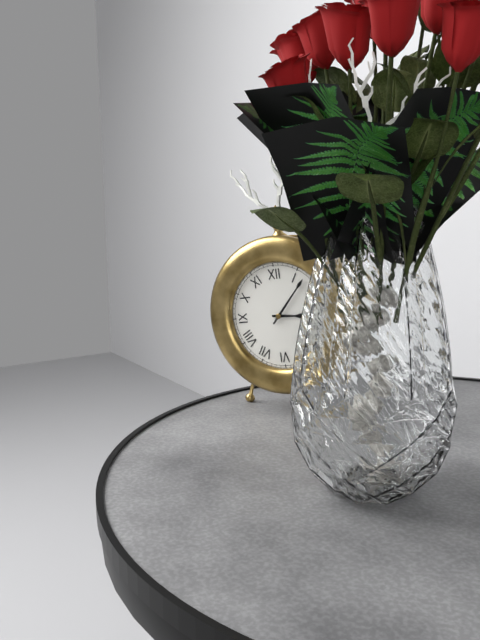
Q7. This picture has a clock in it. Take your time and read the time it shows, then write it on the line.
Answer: 3:07
